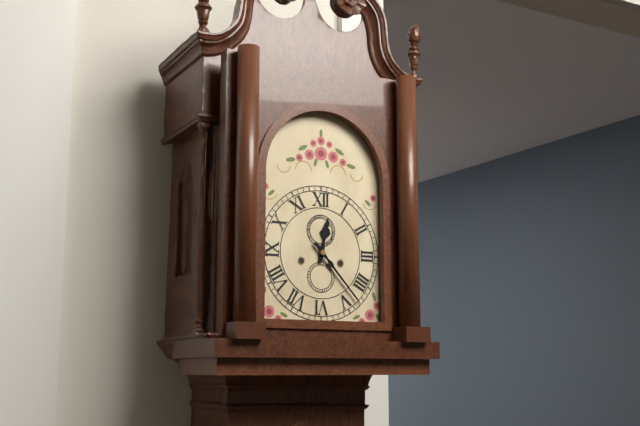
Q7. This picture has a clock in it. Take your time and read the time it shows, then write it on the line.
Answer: 12:23
